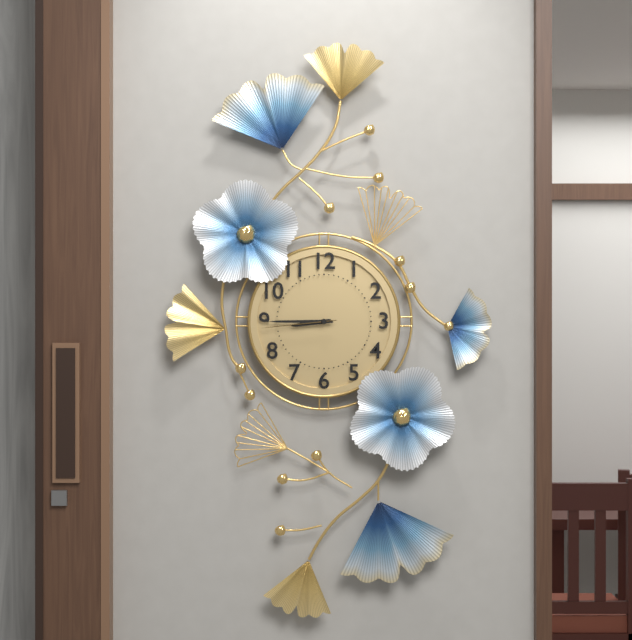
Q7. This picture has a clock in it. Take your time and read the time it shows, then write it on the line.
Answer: 8:45:44
